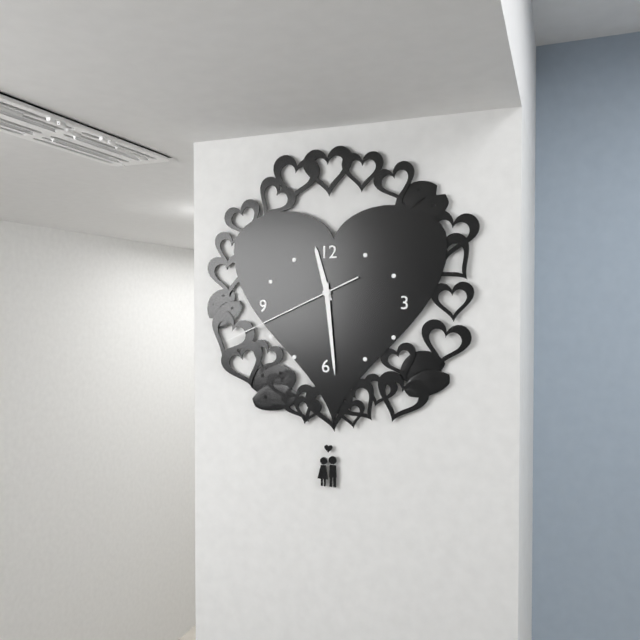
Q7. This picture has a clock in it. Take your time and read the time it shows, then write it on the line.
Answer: 11:29:41
